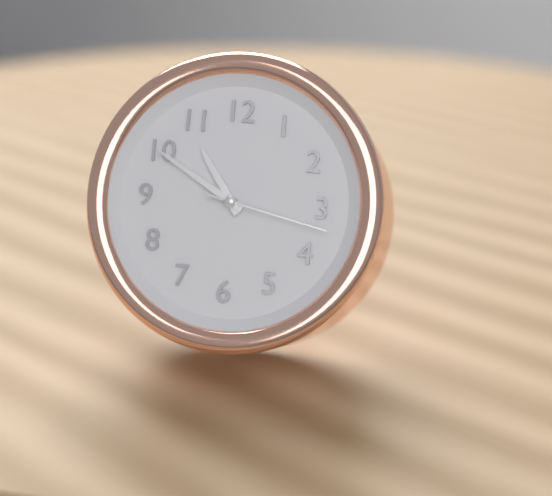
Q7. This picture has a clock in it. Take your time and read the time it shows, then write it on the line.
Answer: 10:50:17
